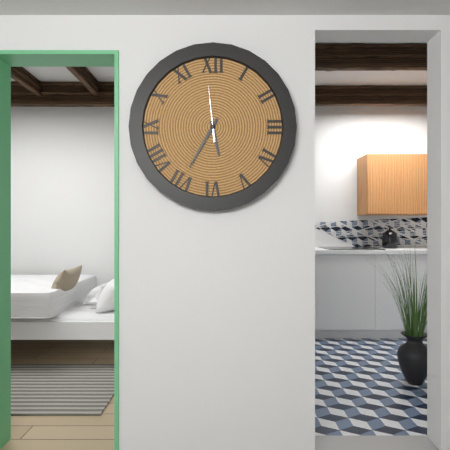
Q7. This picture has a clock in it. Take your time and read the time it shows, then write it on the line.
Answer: 5:35:59
